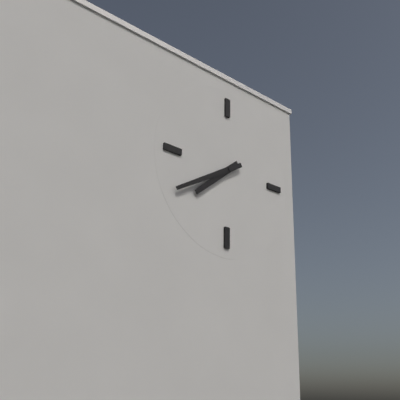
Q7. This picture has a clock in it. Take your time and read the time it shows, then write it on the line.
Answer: 7:40
